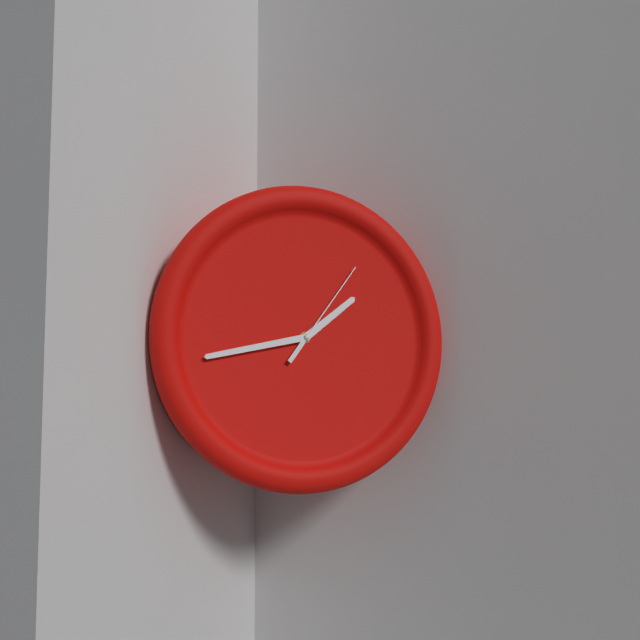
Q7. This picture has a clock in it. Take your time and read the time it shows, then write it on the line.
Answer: 1:43:06
